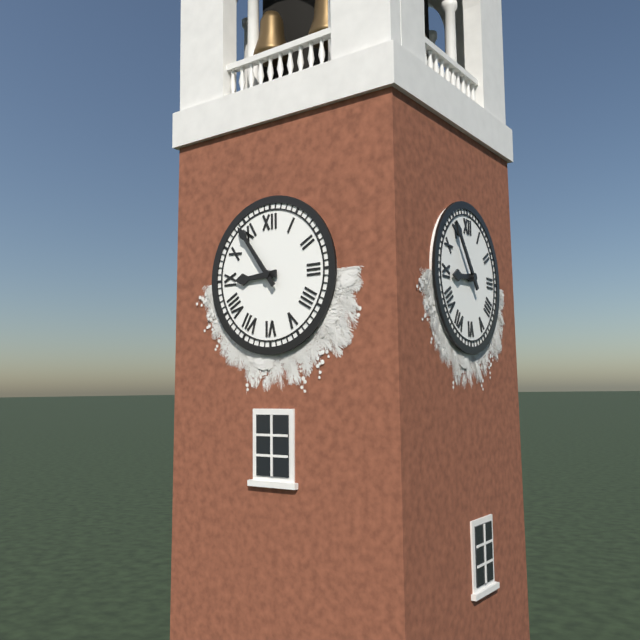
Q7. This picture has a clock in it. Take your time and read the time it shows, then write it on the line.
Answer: 8:54
